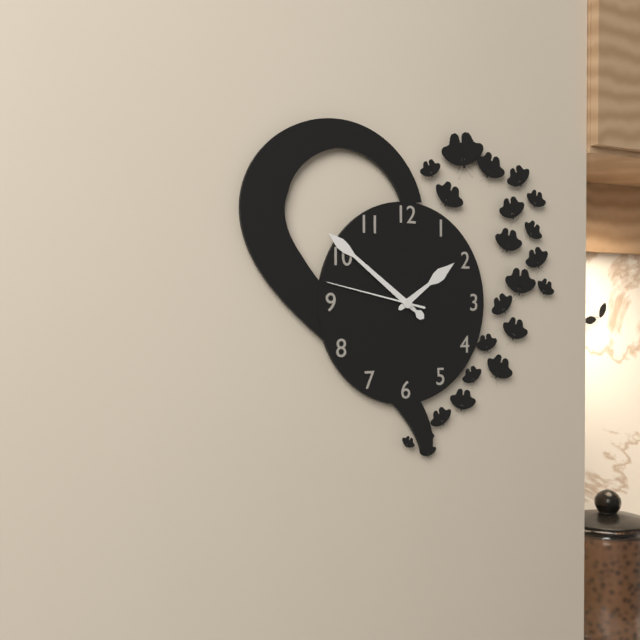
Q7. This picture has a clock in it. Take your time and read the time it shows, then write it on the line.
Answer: 1:51:47
